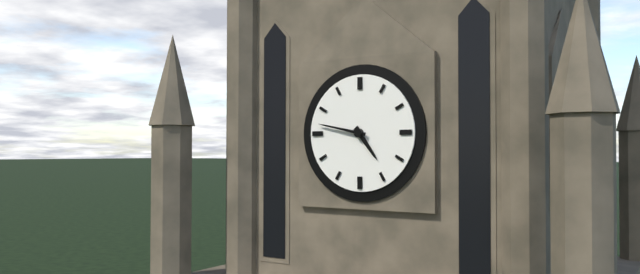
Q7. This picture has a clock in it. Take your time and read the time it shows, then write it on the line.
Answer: 4:47
